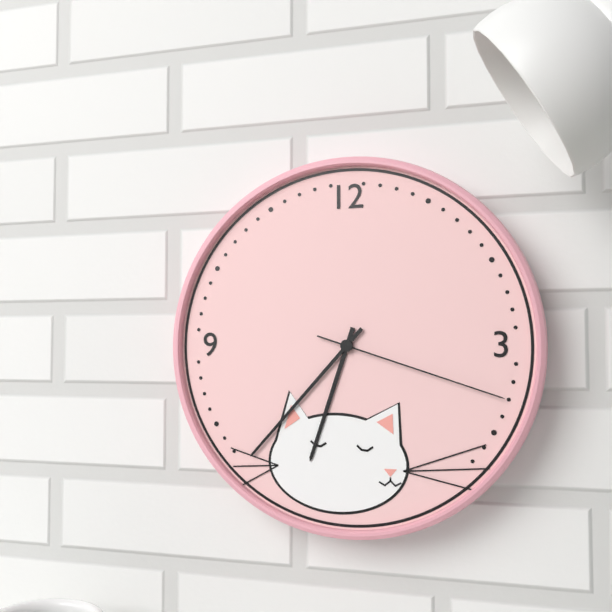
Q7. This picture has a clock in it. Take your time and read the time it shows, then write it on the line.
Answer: 6:37:18
